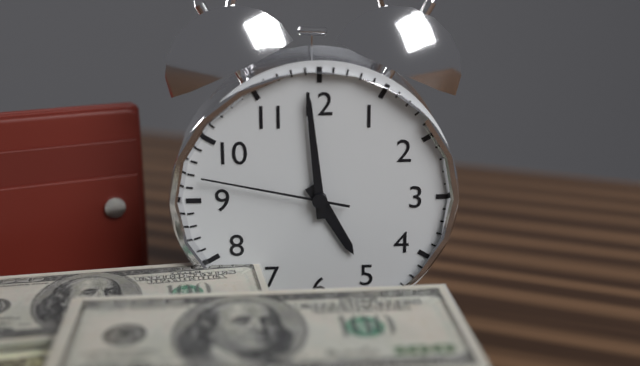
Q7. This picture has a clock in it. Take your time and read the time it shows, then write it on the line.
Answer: 4:59:47
